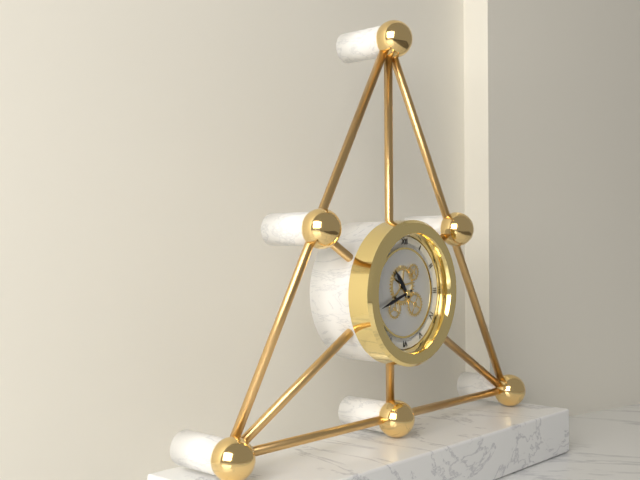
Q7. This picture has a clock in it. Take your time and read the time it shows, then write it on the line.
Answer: 10:42
